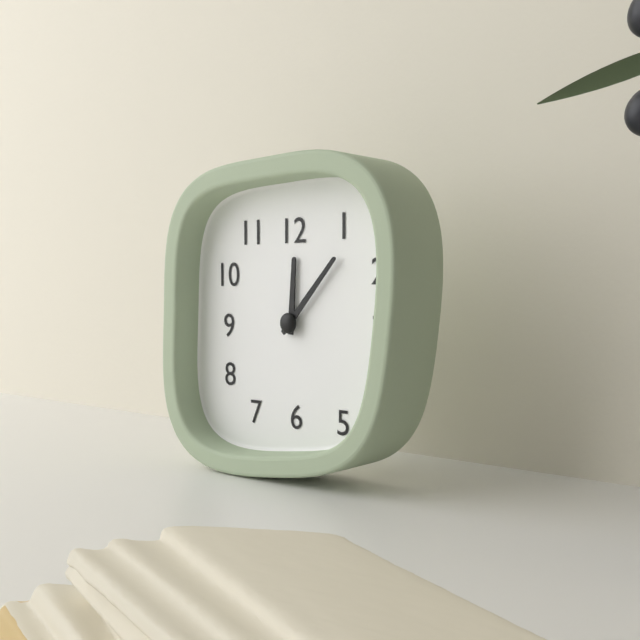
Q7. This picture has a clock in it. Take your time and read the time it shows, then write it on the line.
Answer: 12:07
